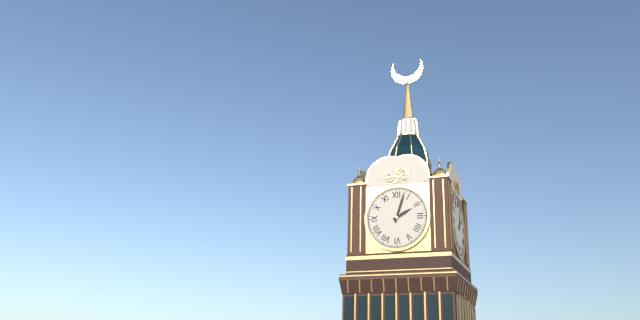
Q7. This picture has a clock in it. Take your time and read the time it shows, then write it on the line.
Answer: 2:03
